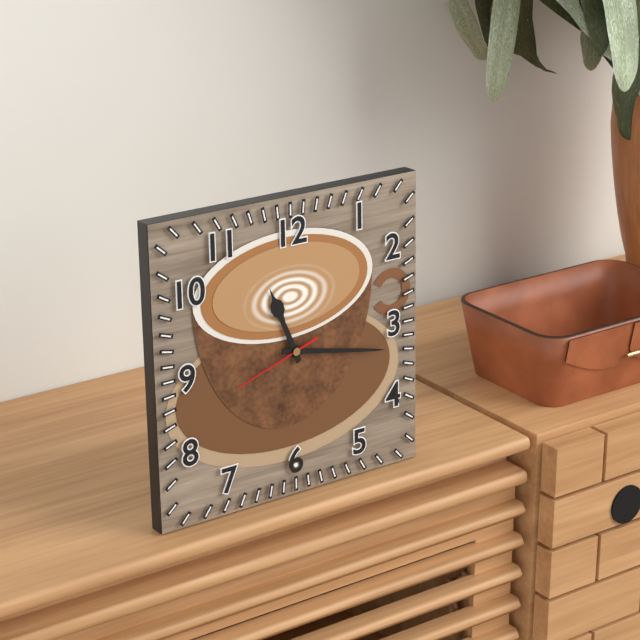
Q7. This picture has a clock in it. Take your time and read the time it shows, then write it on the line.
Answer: 11:17:42
